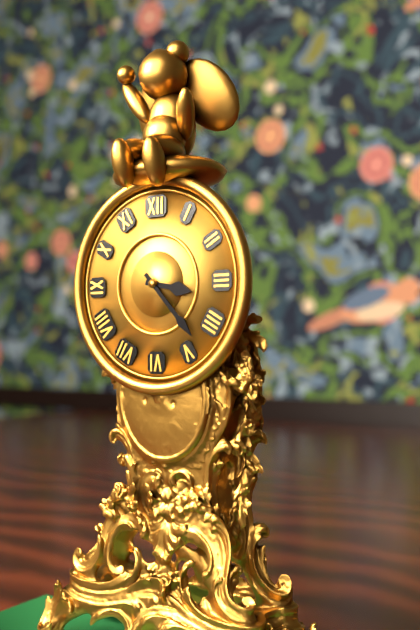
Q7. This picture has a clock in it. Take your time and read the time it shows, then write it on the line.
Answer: 3:23
